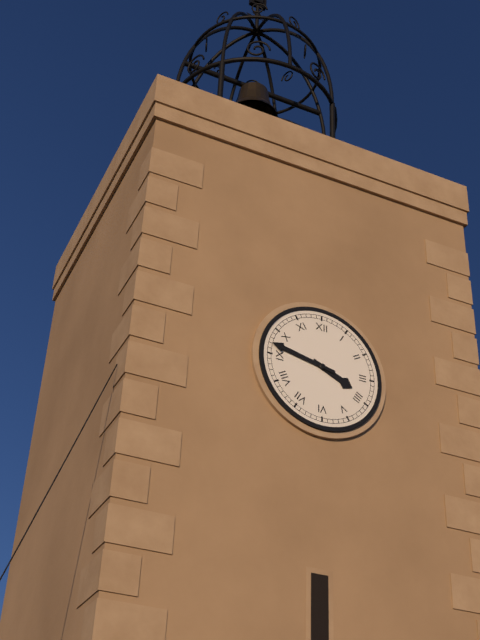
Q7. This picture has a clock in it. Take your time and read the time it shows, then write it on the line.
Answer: 3:47
